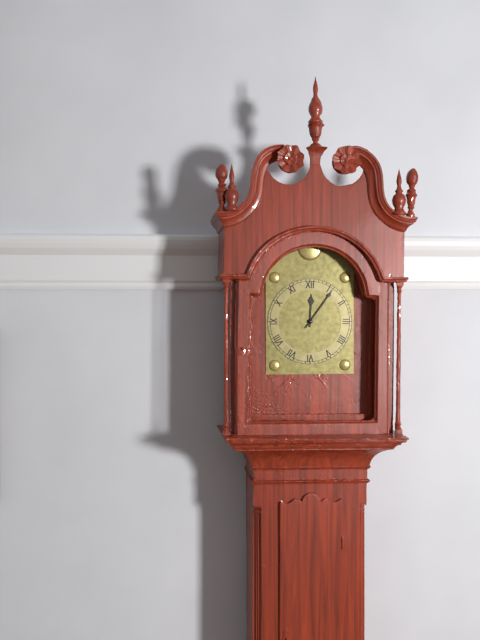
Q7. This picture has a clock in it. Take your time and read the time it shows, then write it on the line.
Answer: 12:06
